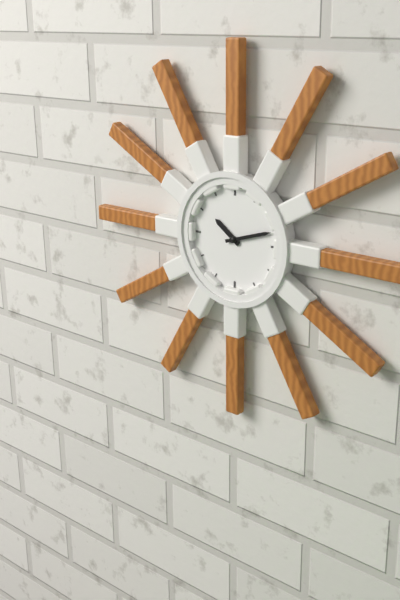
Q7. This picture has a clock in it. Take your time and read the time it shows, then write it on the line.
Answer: 10:12
